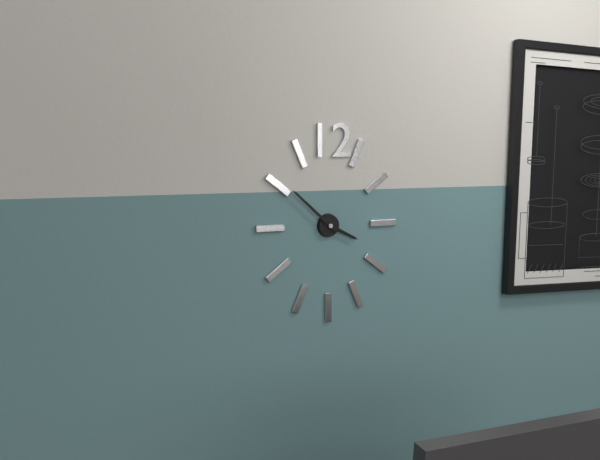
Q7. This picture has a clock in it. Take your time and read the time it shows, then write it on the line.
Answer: 3:52
